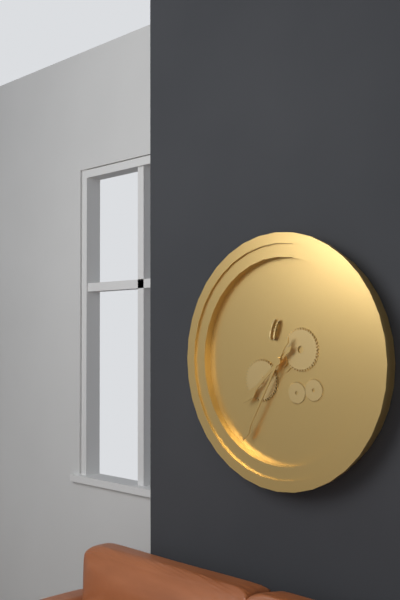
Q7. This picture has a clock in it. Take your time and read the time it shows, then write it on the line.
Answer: 7:35
